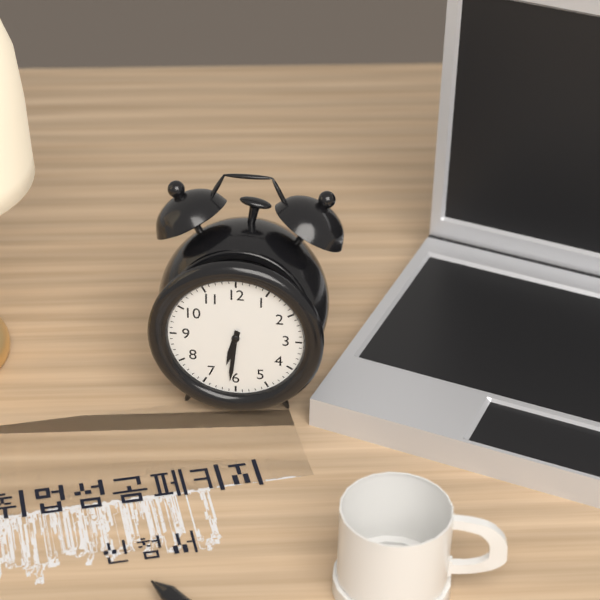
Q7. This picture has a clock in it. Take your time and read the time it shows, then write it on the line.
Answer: 6:31
